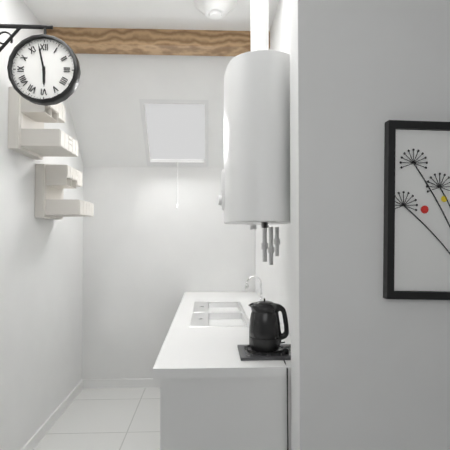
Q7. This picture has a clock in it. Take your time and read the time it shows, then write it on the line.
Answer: 5:58
